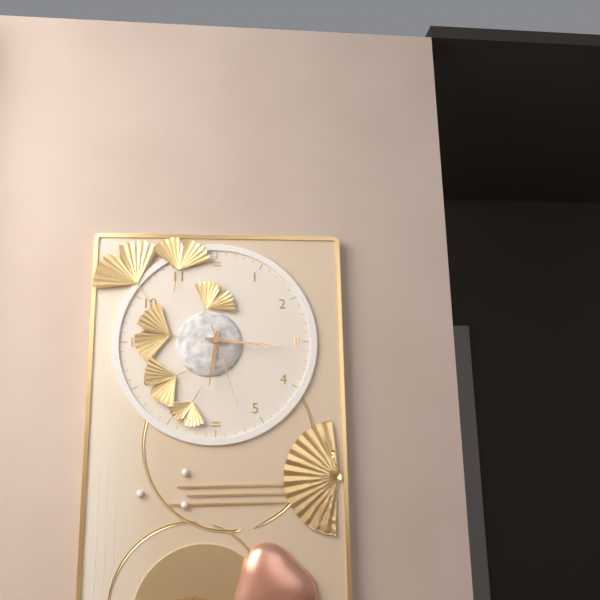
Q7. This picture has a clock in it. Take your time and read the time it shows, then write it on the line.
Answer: 6:16:27
